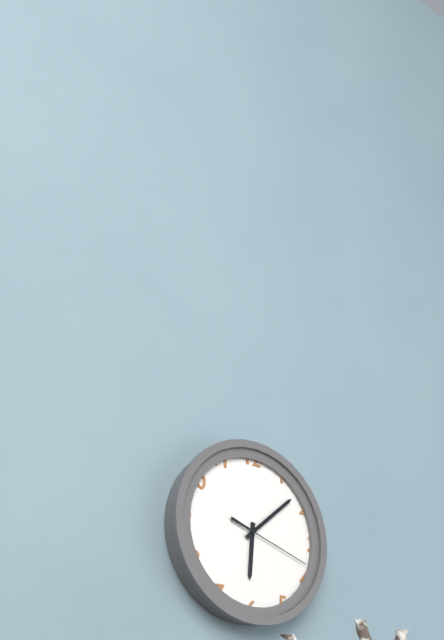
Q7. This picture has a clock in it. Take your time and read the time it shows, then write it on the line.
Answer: 6:08:18
